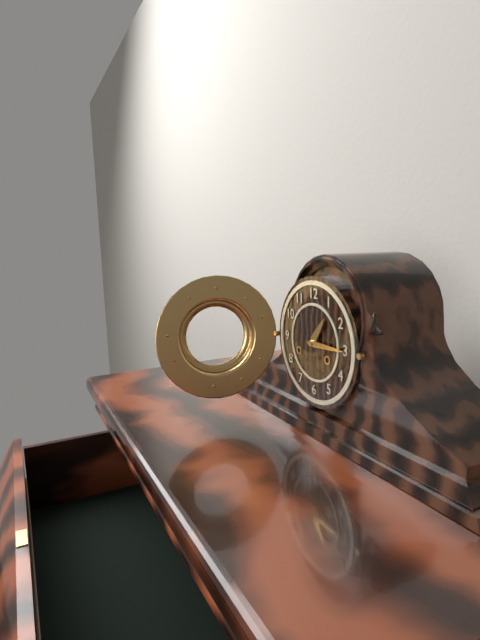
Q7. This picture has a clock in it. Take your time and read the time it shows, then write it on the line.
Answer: 1:15
